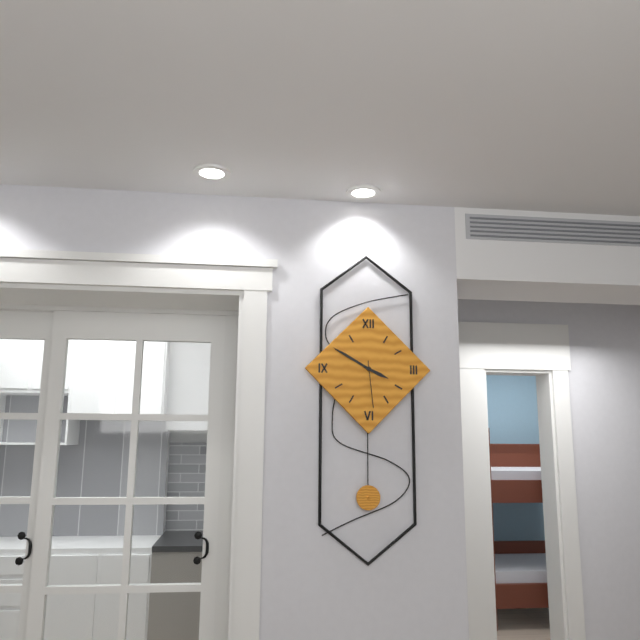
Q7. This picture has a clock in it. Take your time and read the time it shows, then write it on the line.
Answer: 3:50
